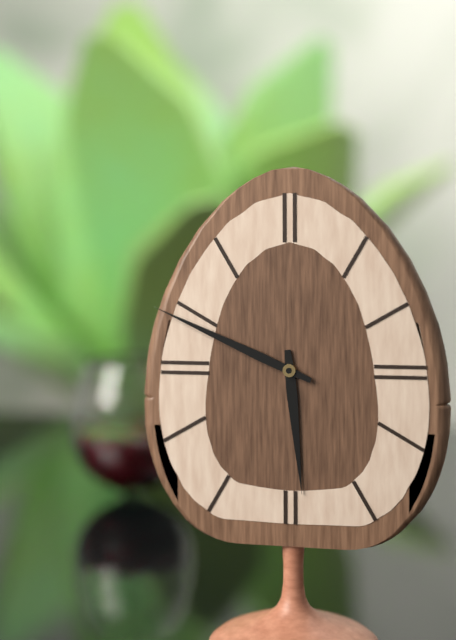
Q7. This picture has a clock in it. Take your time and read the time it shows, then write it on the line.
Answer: 5:49
